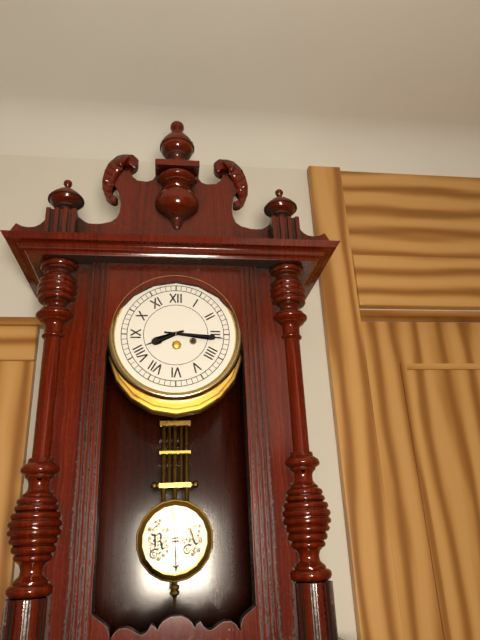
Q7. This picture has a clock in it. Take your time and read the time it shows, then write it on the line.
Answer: 8:16
